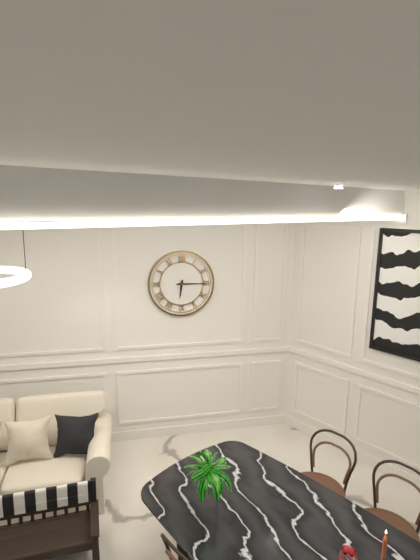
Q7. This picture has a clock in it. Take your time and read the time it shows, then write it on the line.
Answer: 6:15
